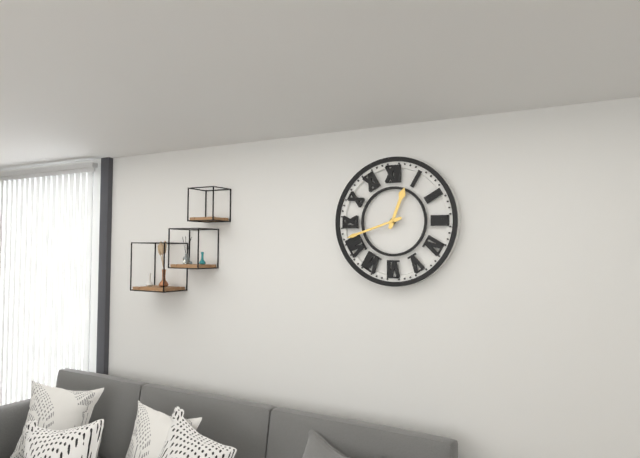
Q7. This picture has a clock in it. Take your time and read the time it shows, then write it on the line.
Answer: 12:42
